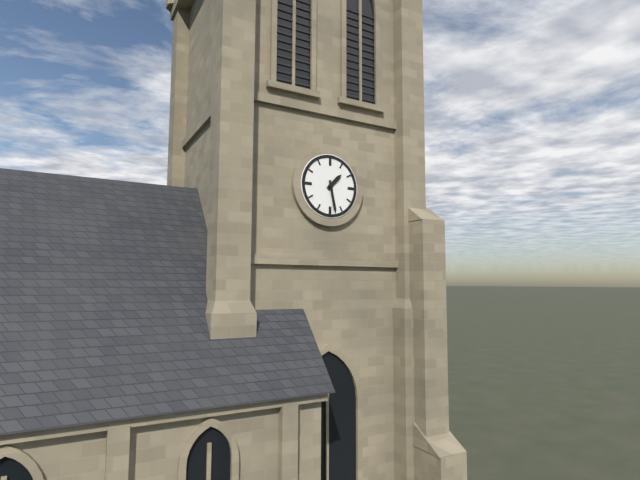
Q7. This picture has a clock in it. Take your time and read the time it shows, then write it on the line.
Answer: 1:28
